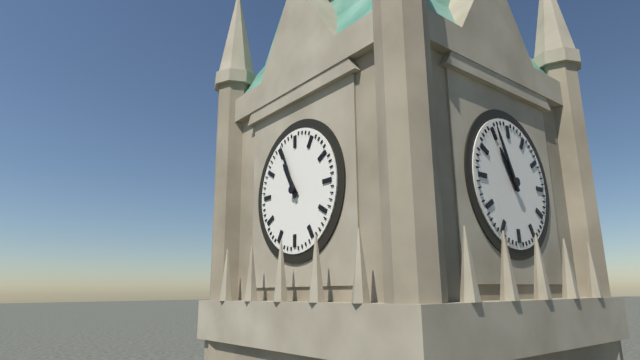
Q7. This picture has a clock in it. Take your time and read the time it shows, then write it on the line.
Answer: 10:56
